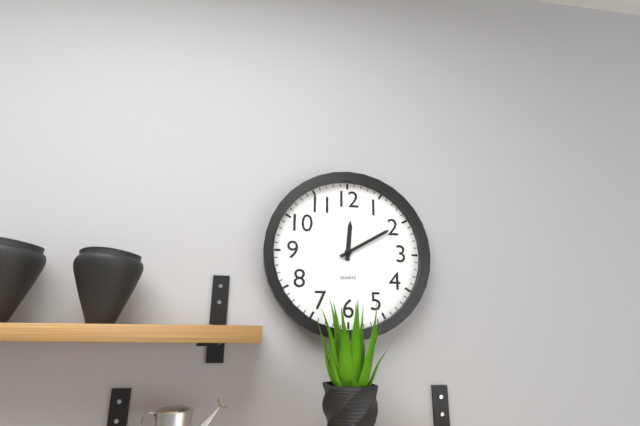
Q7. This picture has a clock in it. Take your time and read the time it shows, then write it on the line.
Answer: 12:10
